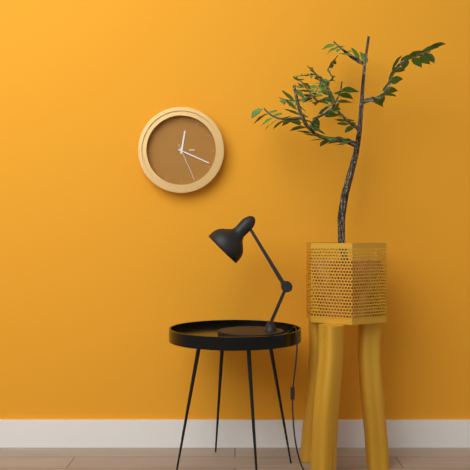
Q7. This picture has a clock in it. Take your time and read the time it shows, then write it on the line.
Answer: 12:19
